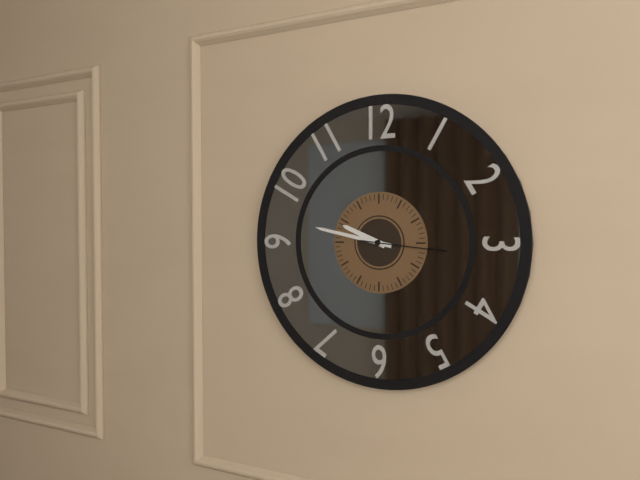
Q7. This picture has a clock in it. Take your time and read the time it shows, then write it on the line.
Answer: 9:47:16
